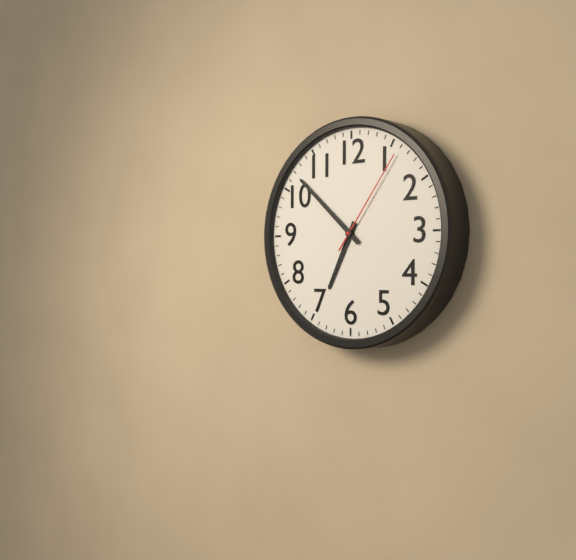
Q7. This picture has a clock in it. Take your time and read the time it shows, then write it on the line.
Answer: 6:52:06
